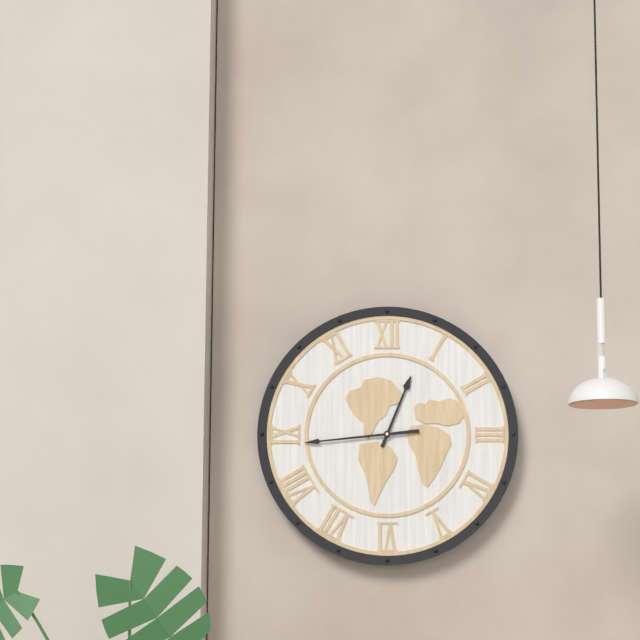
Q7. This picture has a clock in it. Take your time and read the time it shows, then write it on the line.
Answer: 12:44
